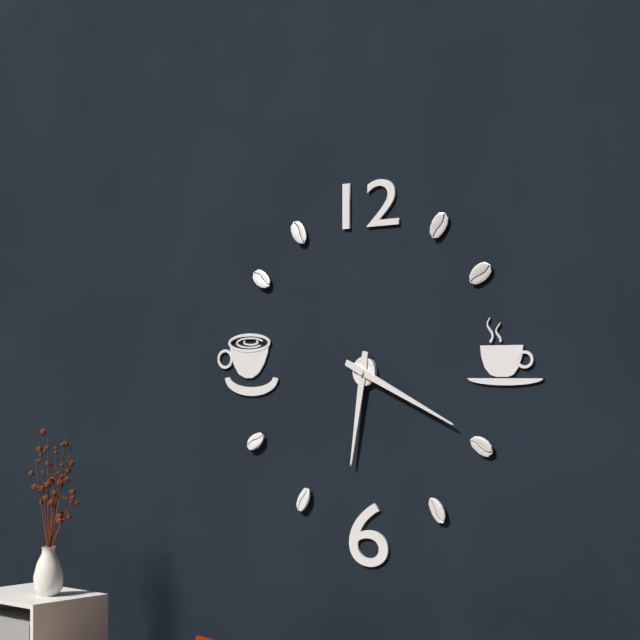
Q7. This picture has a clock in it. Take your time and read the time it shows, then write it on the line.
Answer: 6:19
